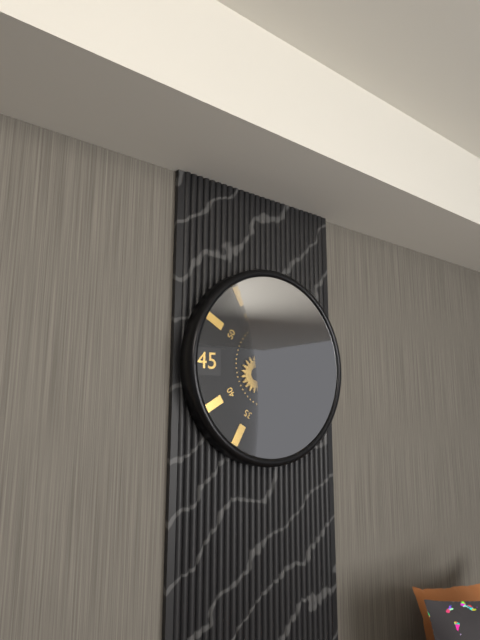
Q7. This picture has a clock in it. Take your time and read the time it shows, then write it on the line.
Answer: 11:23
